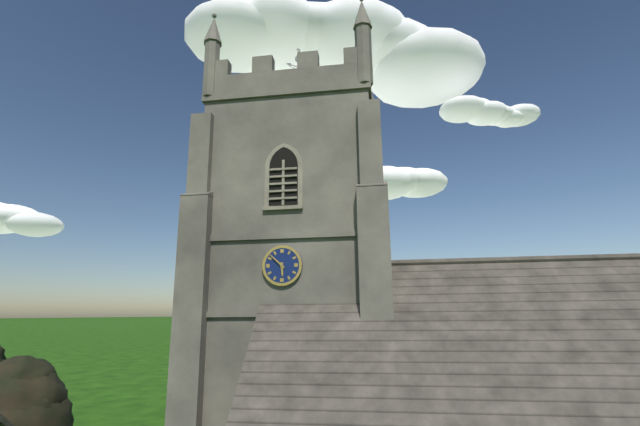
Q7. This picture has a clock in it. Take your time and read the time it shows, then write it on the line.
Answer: 5:52
